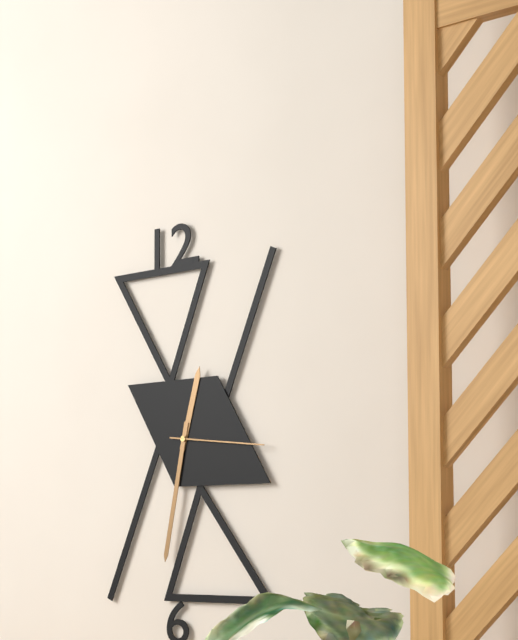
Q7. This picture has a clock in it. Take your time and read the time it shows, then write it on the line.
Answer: 12:32:16
